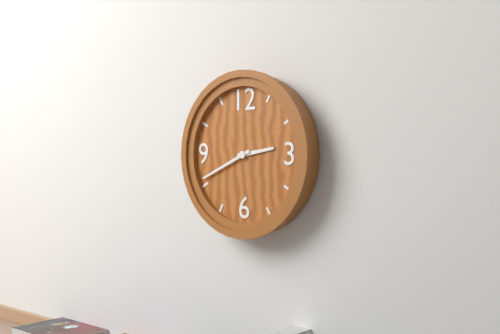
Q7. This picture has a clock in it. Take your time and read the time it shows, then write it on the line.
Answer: 2:41
